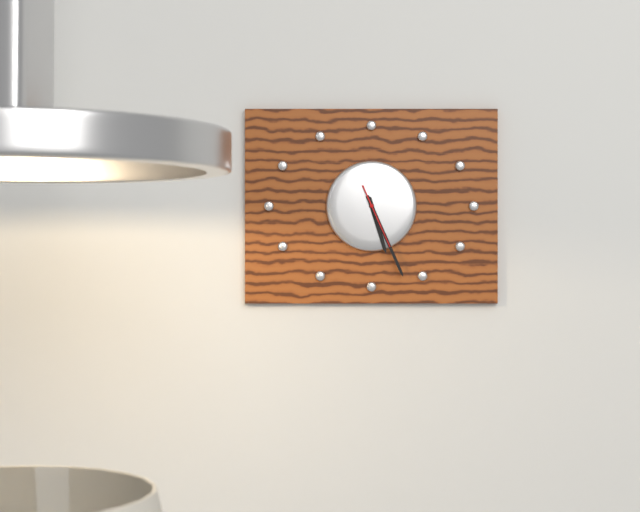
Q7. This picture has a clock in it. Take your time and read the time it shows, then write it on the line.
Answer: 5:26:26
